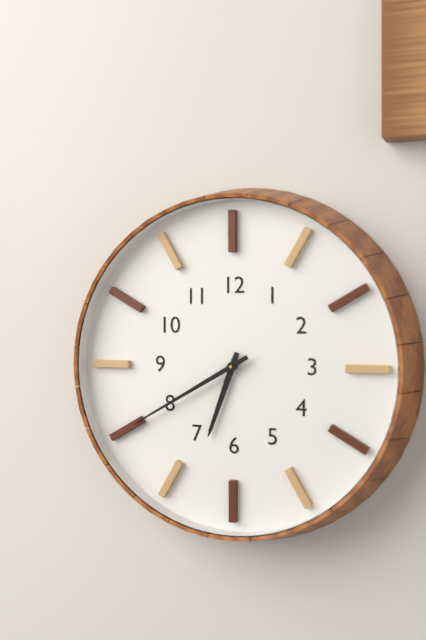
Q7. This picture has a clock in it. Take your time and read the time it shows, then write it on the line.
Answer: 6:40
